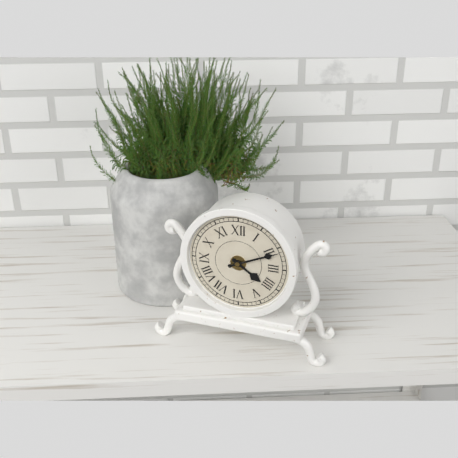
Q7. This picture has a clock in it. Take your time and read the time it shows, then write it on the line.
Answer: 4:11
